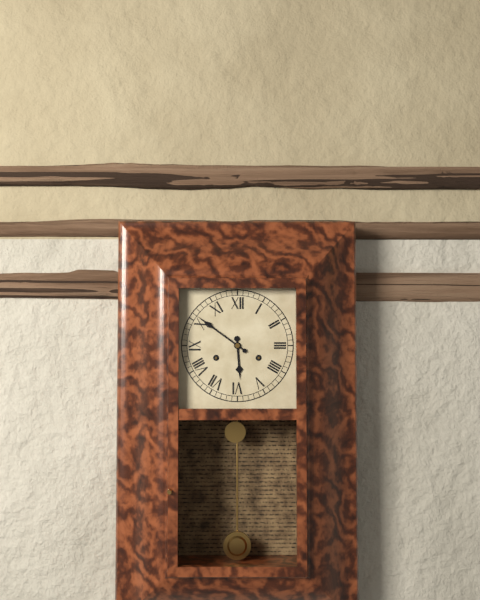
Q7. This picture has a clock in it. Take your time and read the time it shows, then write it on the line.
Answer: 5:51
